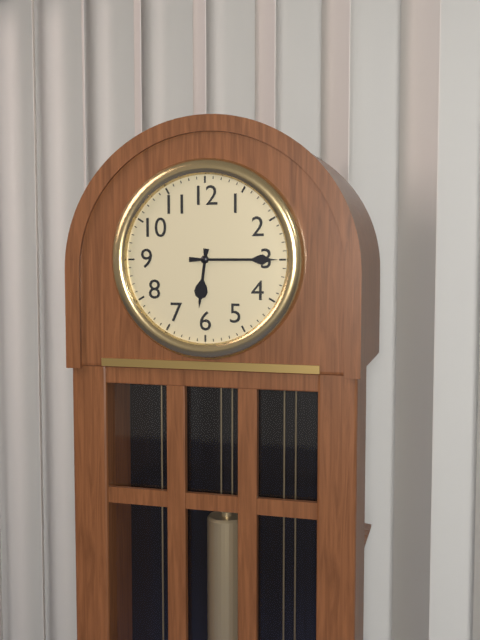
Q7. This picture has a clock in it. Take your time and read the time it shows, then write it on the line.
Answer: 6:15
